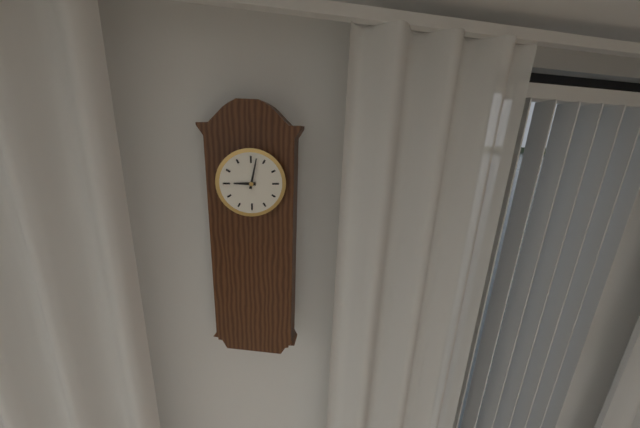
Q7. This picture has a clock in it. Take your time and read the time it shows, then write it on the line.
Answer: 9:02
